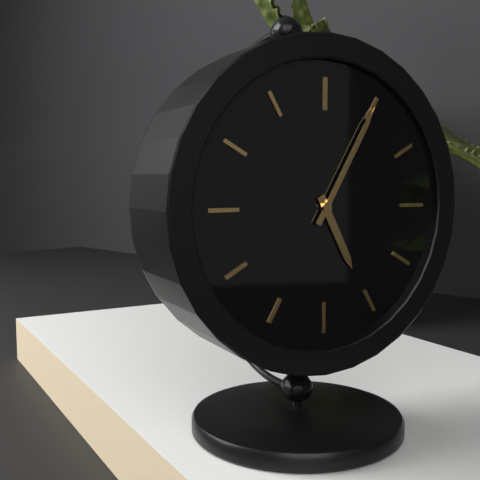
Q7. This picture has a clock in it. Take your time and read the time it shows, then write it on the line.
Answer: 5:05
